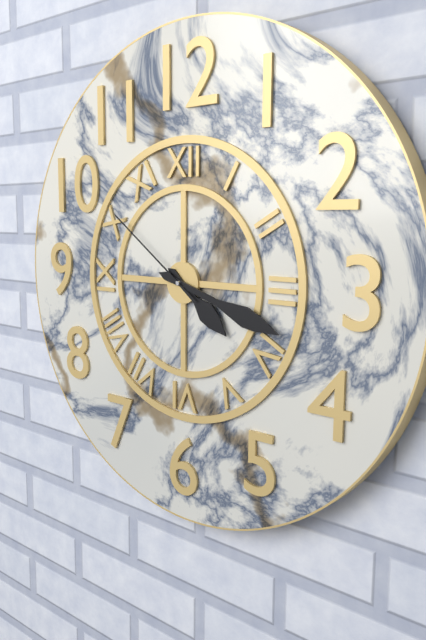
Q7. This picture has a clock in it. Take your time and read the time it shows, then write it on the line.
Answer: 4:18:51
